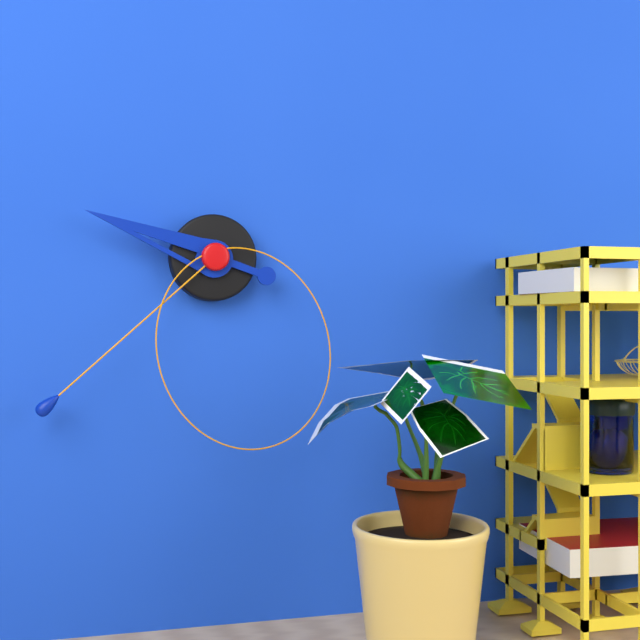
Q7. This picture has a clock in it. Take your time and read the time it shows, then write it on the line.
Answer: 9:38:27
